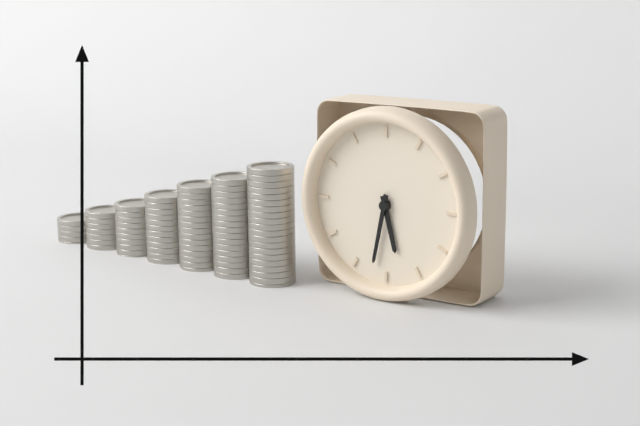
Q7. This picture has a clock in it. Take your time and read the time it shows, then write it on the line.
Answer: 5:32
